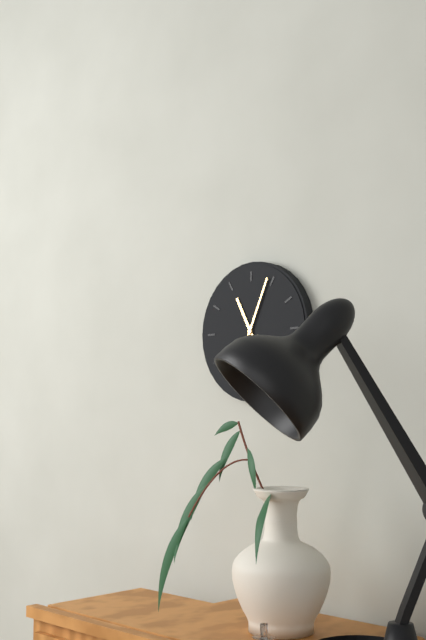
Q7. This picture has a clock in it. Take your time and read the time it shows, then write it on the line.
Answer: 11:04
